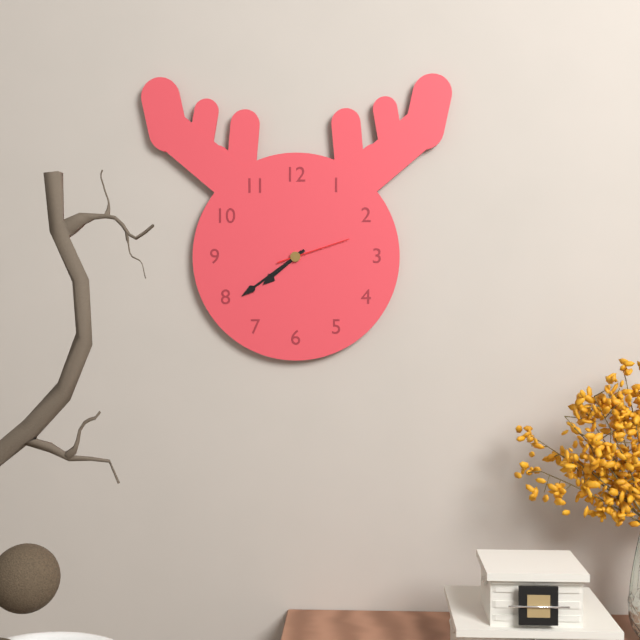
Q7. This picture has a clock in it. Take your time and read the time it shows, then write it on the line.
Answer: 7:39:12
